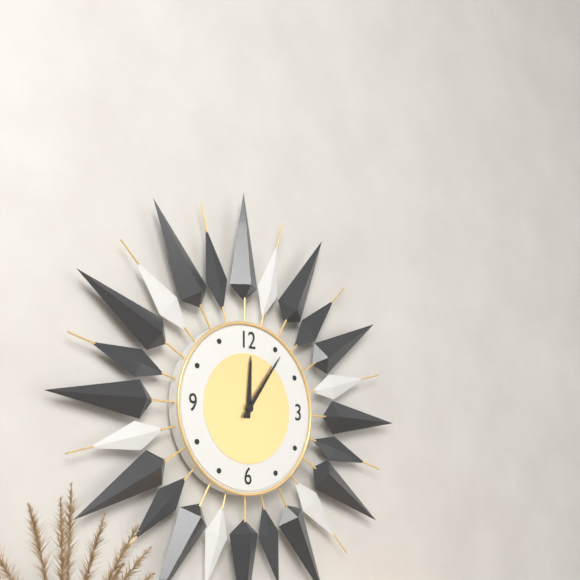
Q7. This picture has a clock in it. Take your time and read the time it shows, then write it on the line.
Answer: 12:06
